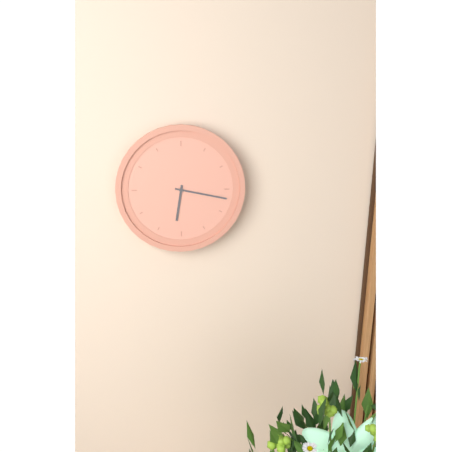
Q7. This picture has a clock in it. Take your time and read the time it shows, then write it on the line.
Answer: 6:17
